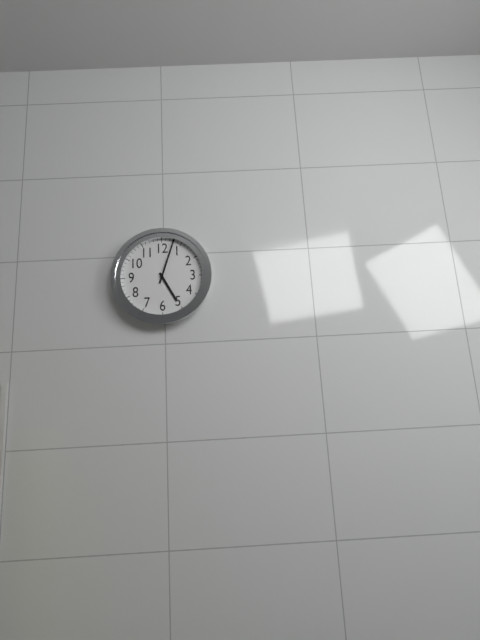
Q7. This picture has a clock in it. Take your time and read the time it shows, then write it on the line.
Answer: 5:03
